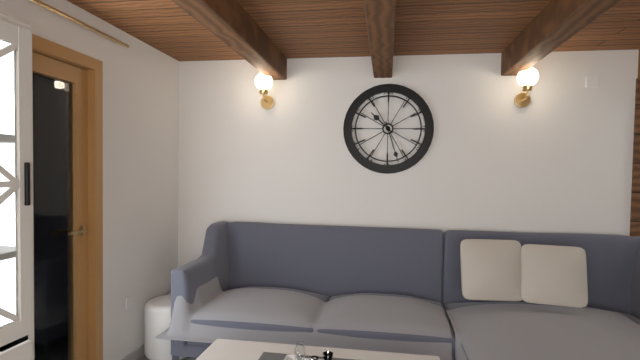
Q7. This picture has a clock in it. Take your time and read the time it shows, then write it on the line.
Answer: 10:27
